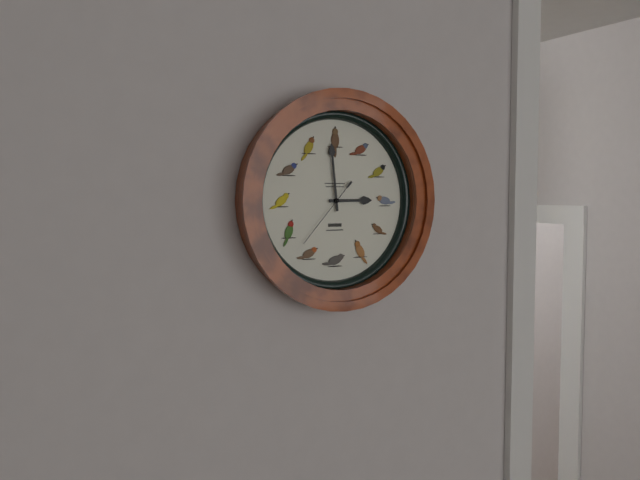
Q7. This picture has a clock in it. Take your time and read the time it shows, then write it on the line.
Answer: 2:59:37
